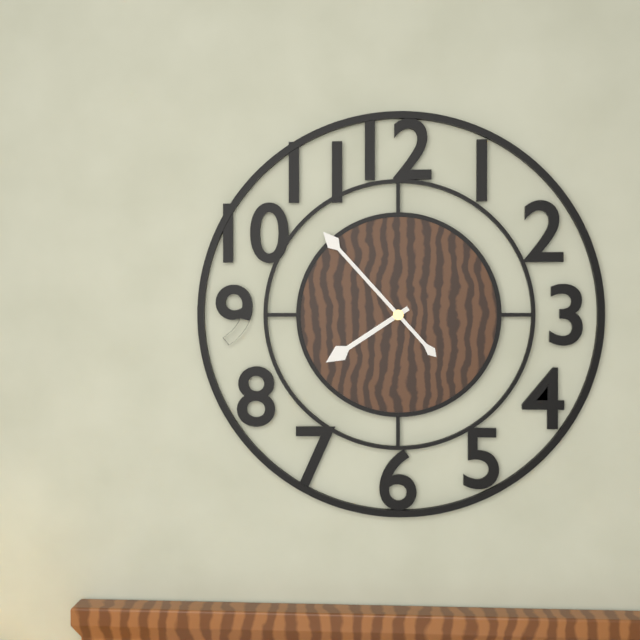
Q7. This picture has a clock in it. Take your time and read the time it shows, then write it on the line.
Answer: 7:53
